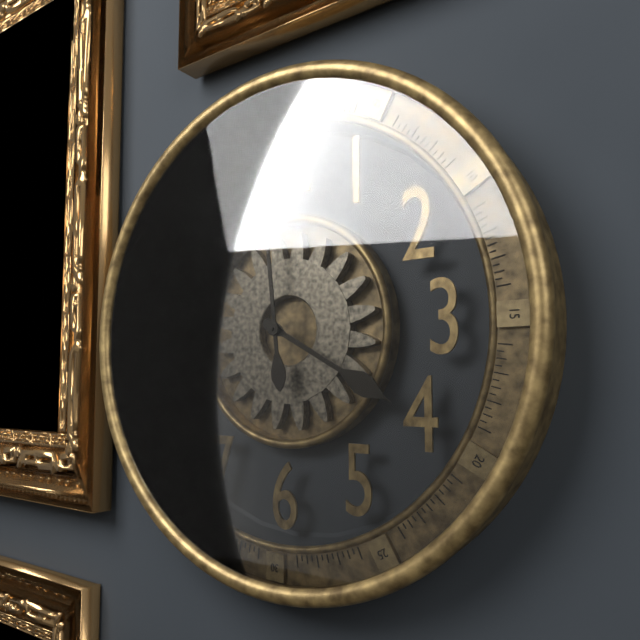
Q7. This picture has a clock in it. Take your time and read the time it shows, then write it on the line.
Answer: 3:59
